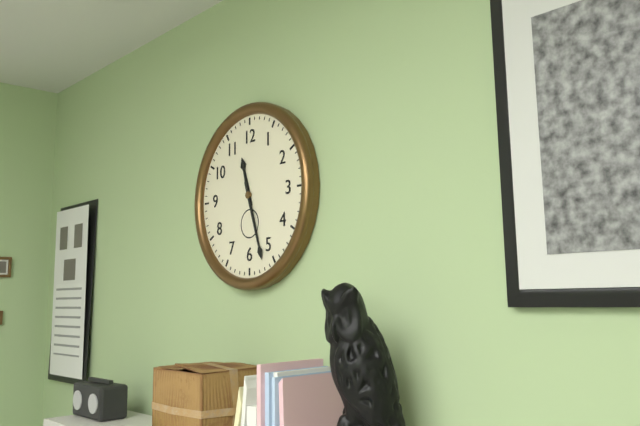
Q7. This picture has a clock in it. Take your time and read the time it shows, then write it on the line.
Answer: 11:27
